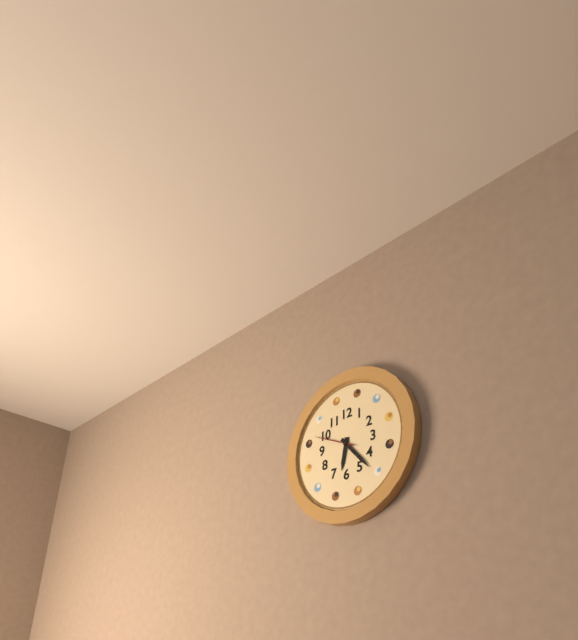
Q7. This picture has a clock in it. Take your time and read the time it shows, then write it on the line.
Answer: 6:23
